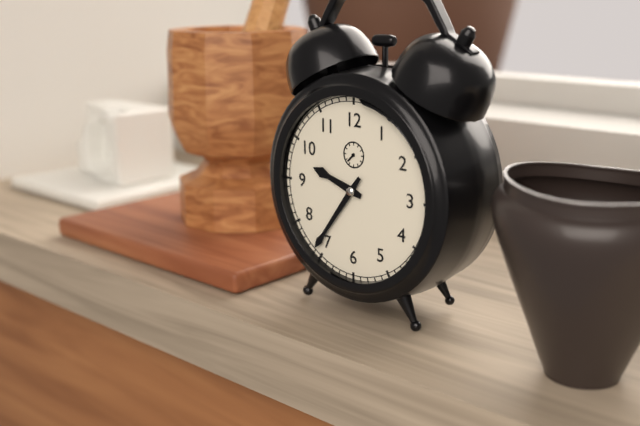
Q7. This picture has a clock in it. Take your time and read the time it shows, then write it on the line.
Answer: 9:36
